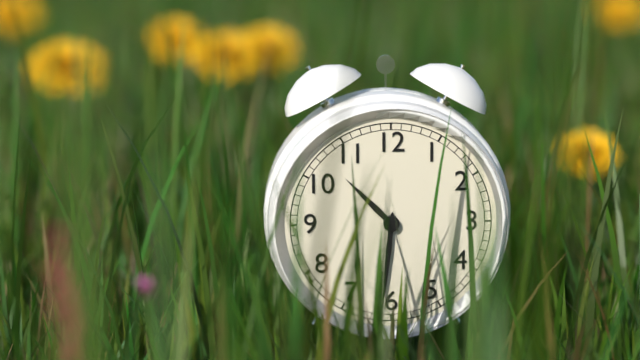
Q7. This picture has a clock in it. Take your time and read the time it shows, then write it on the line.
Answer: 10:31
